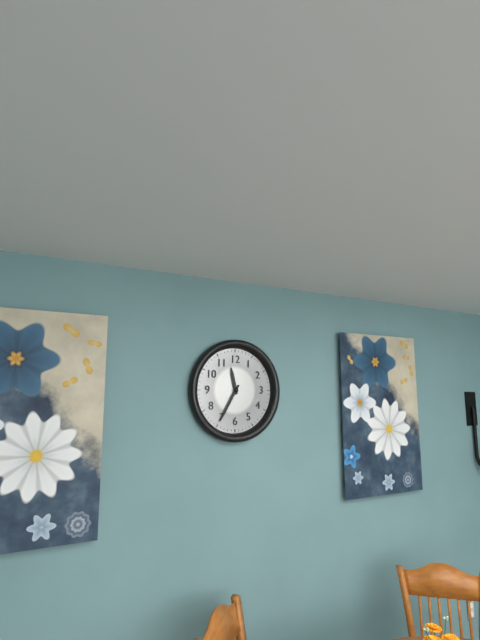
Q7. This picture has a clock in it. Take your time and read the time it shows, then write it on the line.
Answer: 11:35
